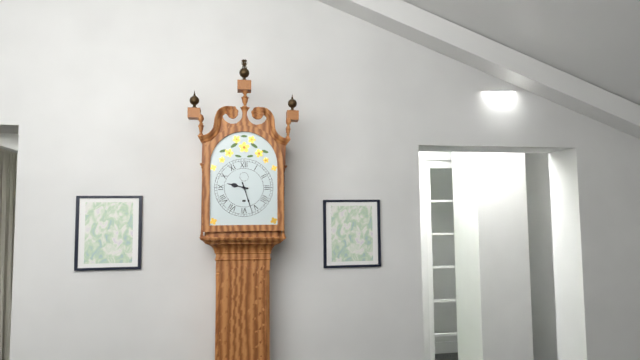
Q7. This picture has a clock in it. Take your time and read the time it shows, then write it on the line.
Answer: 9:27
